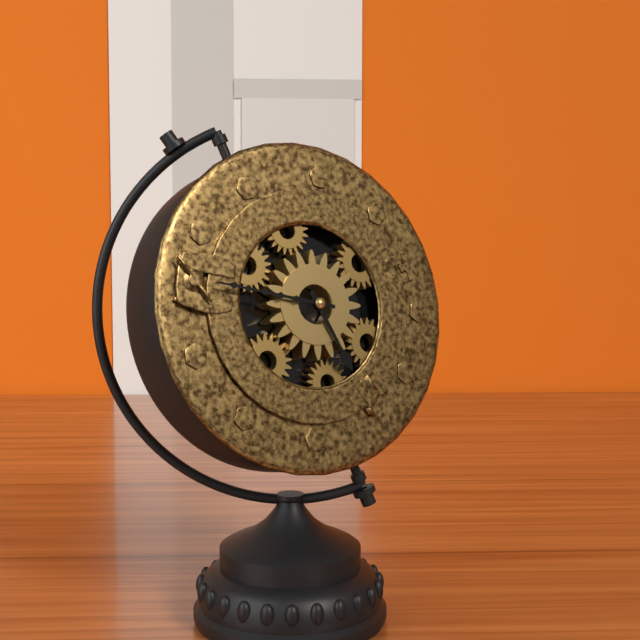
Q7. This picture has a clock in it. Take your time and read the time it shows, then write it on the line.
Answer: 4:45
